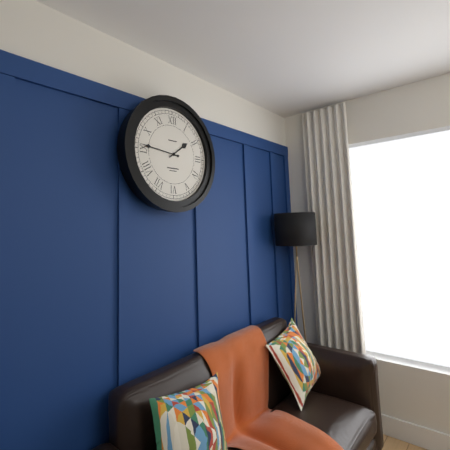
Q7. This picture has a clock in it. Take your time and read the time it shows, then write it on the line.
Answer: 1:46
